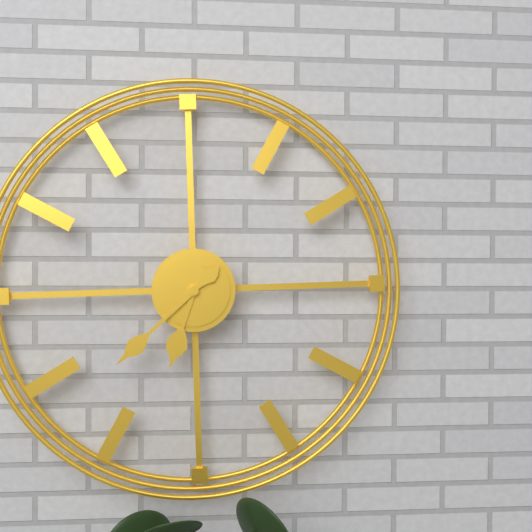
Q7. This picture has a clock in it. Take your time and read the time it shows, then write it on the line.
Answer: 6:38
